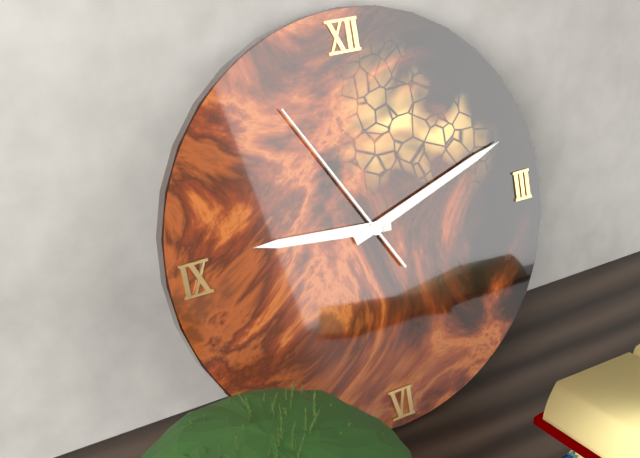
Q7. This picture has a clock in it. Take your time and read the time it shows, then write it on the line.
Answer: 9:12:55
